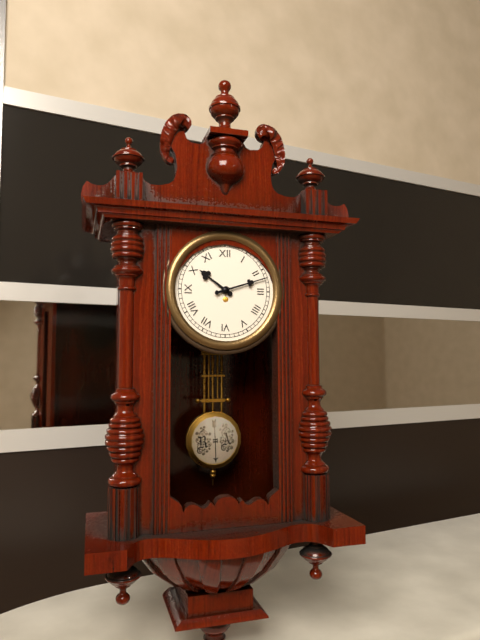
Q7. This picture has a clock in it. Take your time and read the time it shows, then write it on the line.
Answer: 10:12
